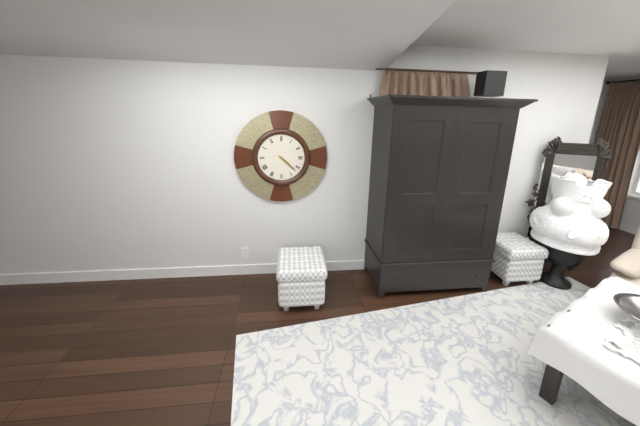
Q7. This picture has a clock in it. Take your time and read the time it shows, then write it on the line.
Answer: 4:22
